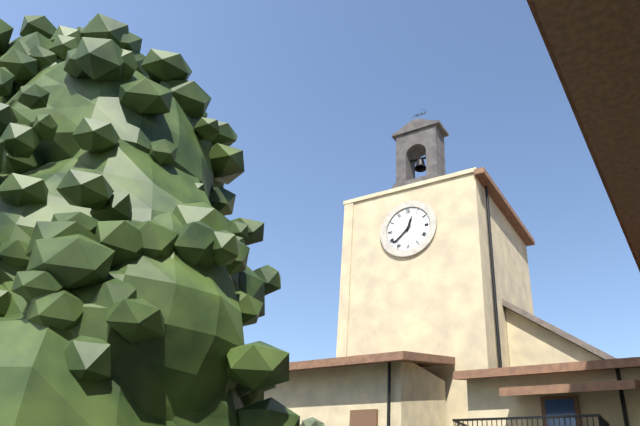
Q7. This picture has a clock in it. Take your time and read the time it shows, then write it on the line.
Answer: 12:38
